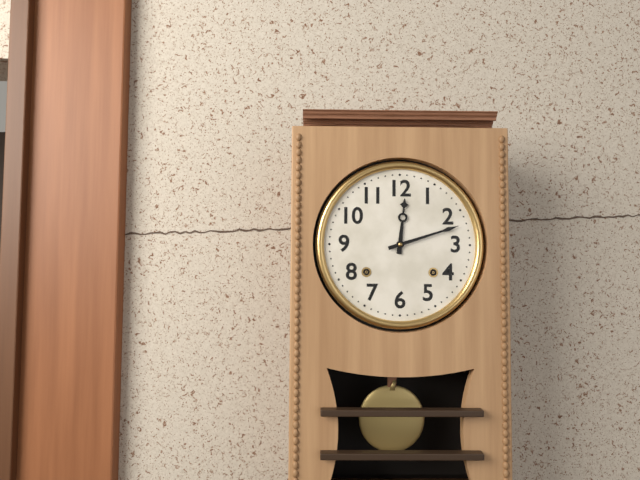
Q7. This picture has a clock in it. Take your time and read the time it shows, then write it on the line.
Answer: 12:12
